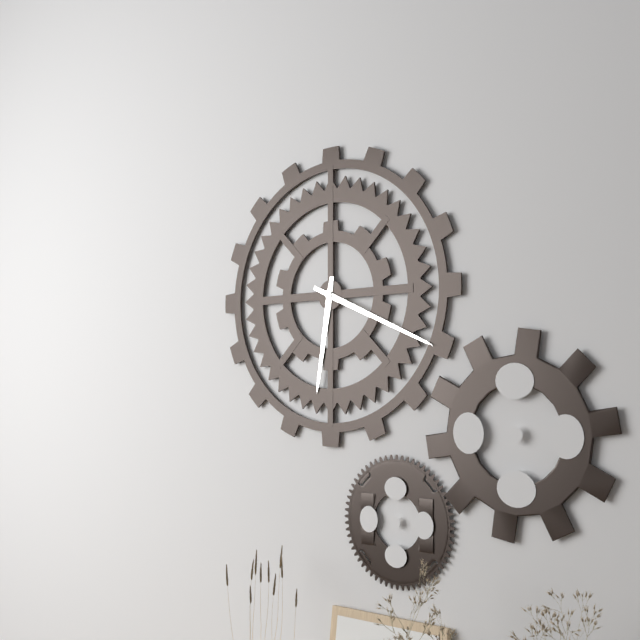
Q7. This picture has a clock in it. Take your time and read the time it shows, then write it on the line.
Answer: 6:19
